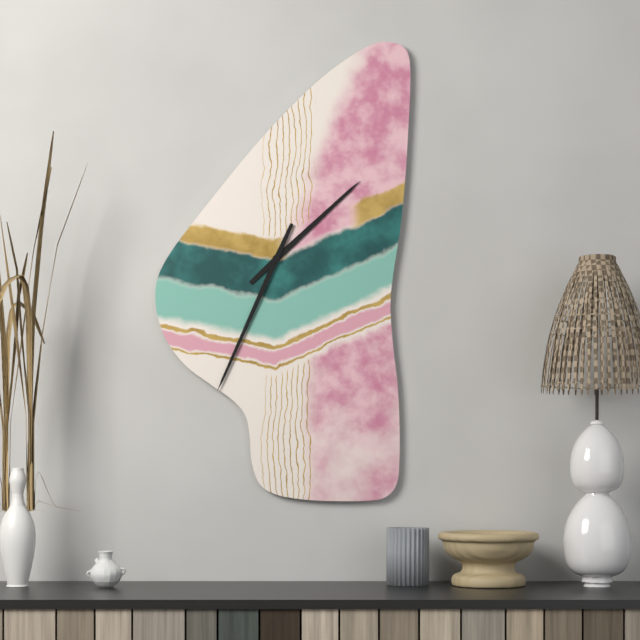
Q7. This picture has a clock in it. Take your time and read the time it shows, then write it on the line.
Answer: 1:34
